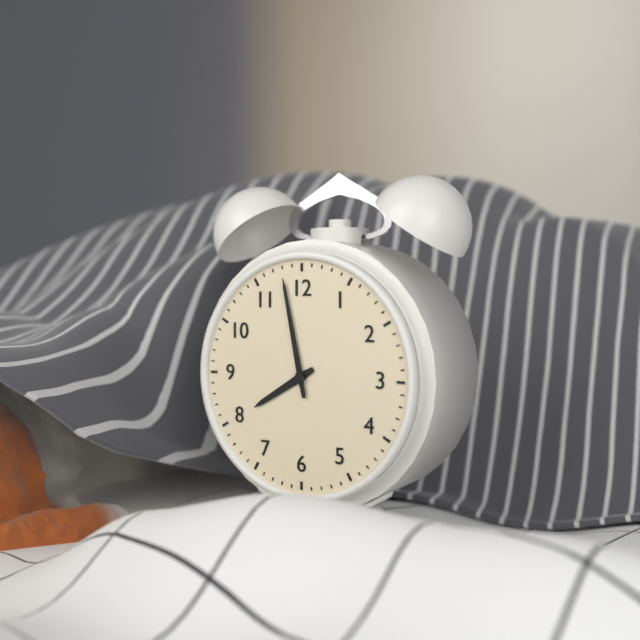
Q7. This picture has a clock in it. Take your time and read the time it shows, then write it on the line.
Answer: 7:58
